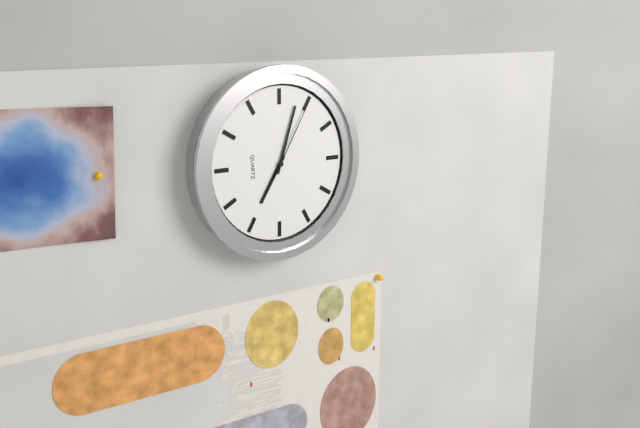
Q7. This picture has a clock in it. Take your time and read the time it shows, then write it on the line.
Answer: 7:03:05
